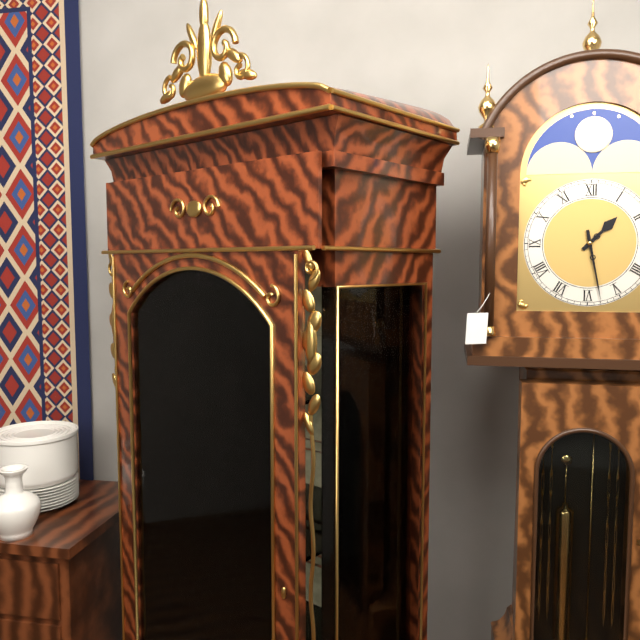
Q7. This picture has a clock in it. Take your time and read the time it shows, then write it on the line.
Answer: 1:28
